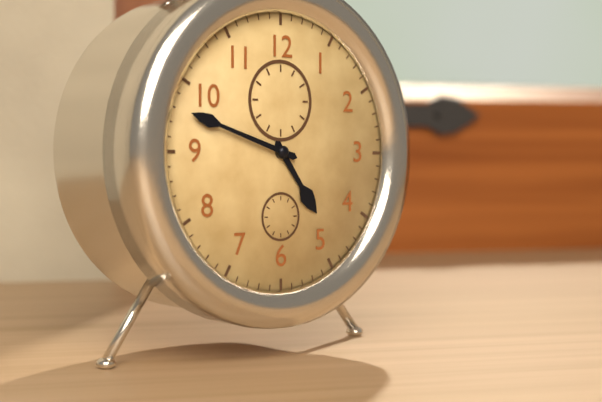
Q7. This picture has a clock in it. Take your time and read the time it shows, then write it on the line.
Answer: 4:48
